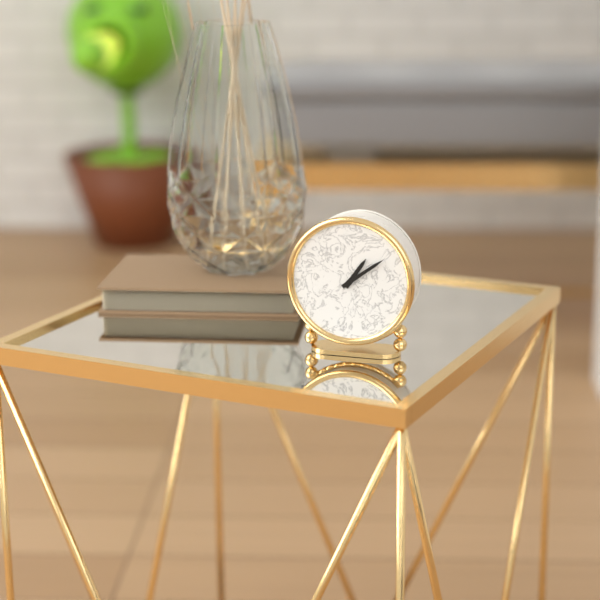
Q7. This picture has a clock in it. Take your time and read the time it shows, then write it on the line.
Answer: 1:09
